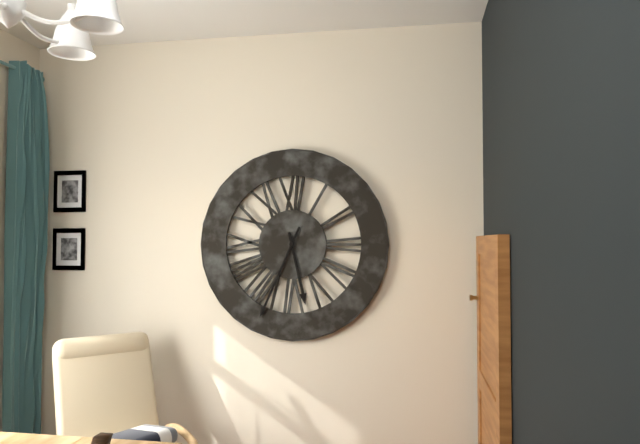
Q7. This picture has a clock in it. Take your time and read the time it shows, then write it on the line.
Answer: 5:34
